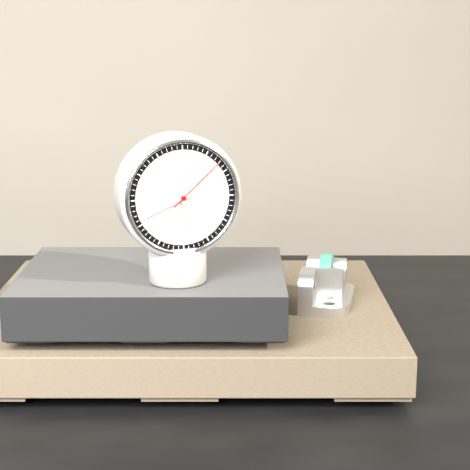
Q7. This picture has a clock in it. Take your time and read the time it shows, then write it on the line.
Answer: 5:41:08
